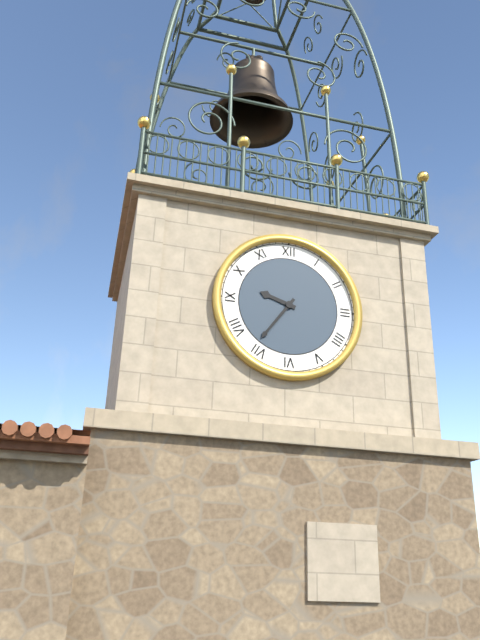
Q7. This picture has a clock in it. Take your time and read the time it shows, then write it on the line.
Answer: 9:36
